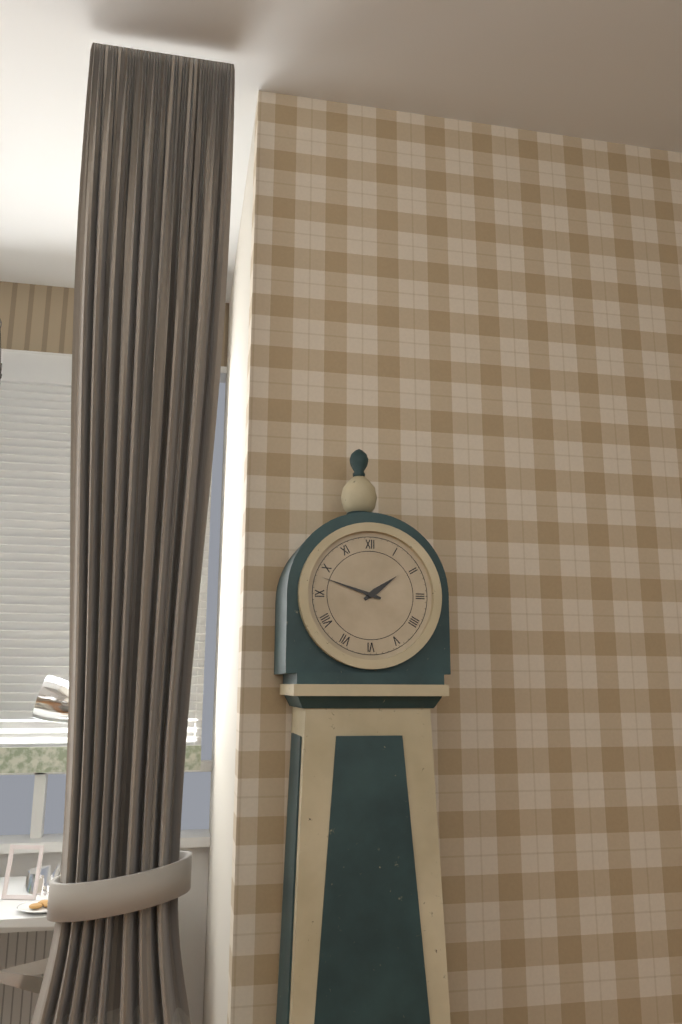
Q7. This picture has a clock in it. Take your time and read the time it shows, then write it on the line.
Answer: 1:48
